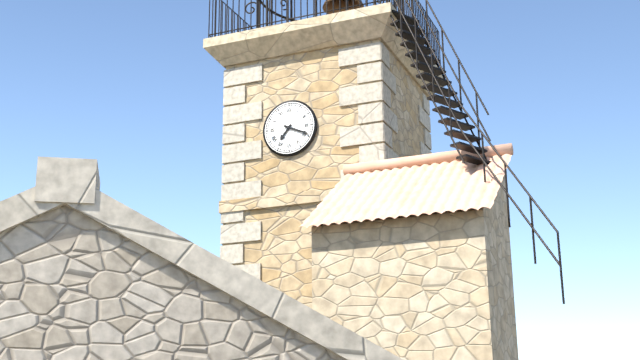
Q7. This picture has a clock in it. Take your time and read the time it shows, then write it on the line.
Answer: 7:19
